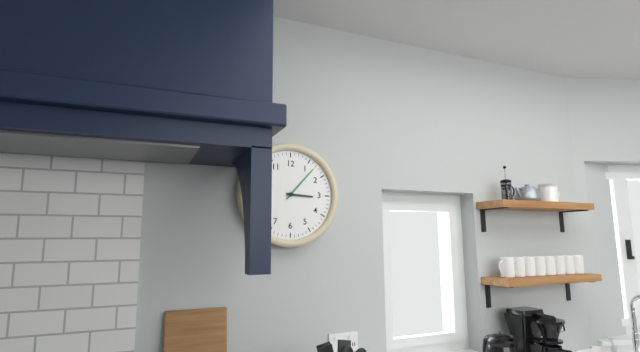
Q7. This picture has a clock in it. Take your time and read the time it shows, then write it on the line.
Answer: 3:07
